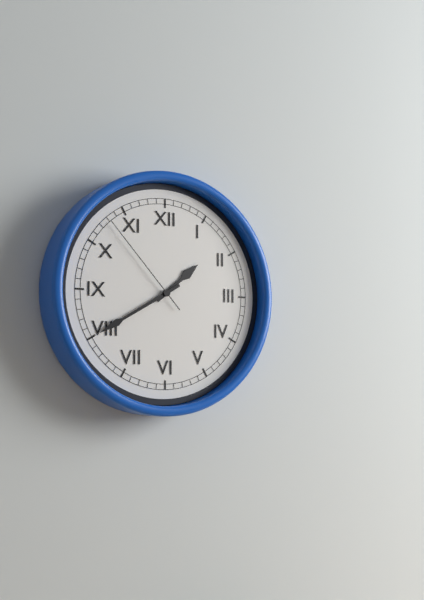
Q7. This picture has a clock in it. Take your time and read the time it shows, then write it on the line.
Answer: 1:40:53
